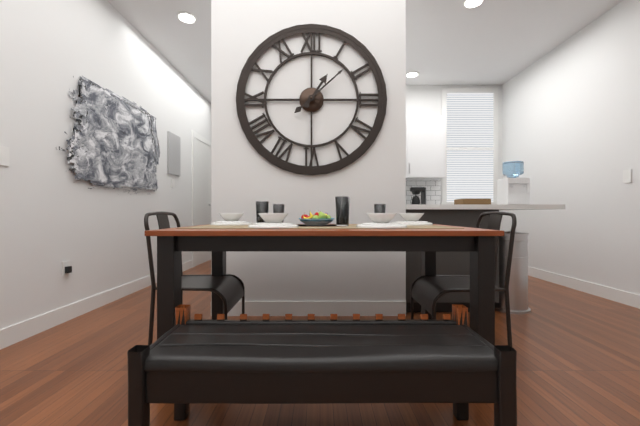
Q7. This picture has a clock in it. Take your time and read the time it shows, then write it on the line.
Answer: 1:08
